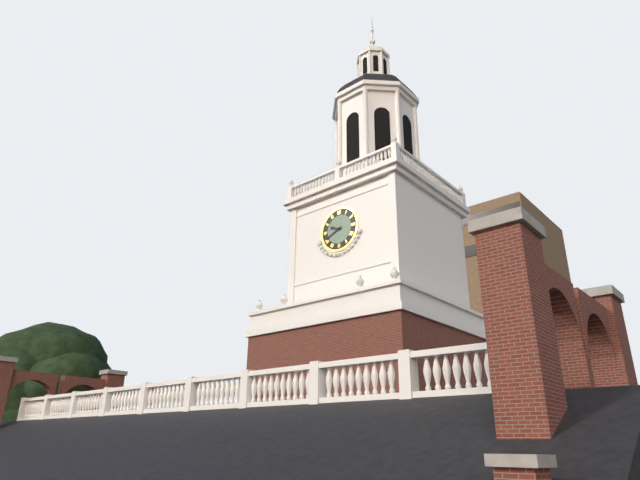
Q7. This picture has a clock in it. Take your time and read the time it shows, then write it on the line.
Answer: 9:41
